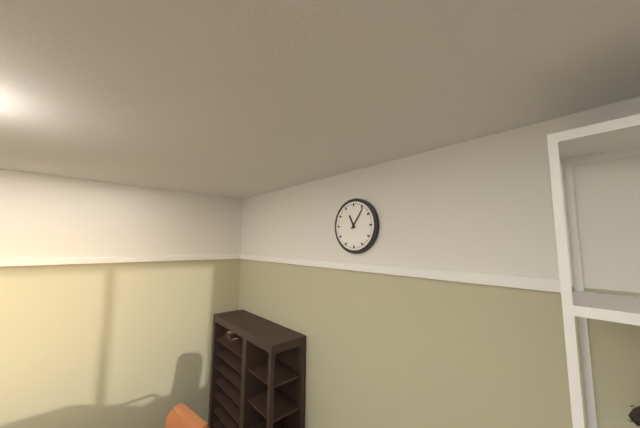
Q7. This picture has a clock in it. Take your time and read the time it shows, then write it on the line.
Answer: 11:06
